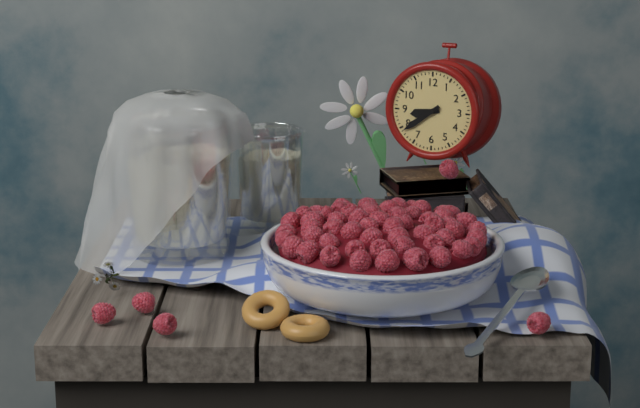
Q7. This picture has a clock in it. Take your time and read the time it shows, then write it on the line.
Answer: 8:39
